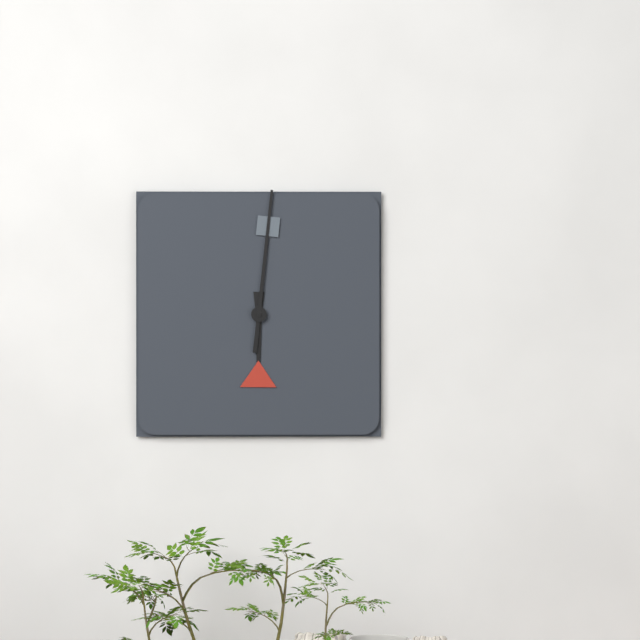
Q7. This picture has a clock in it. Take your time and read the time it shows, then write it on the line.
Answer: 6:01
